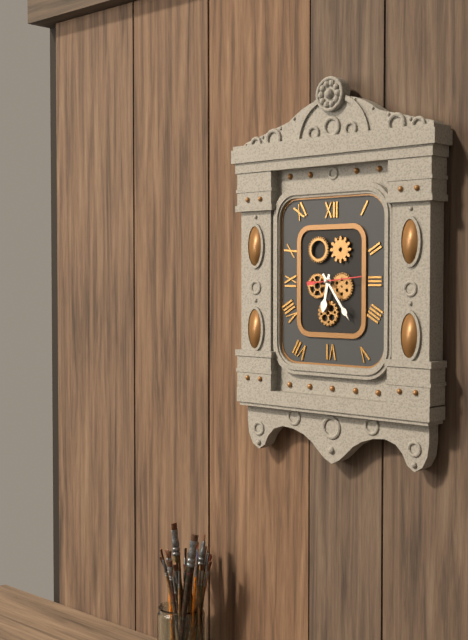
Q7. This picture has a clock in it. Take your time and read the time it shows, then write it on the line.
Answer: 6:24
